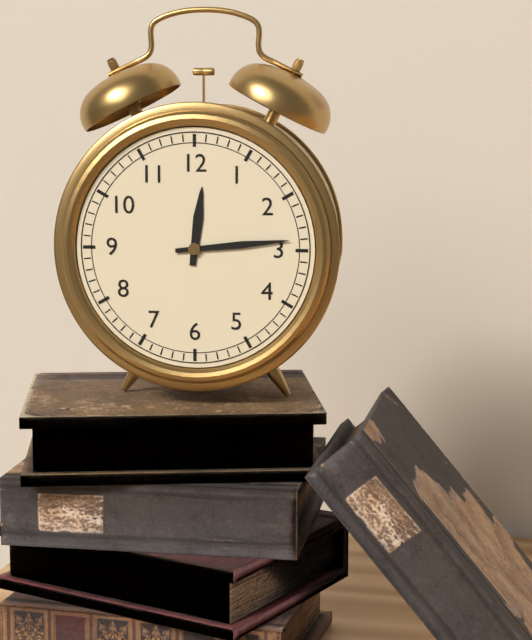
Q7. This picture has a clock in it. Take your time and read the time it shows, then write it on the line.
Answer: 12:14
